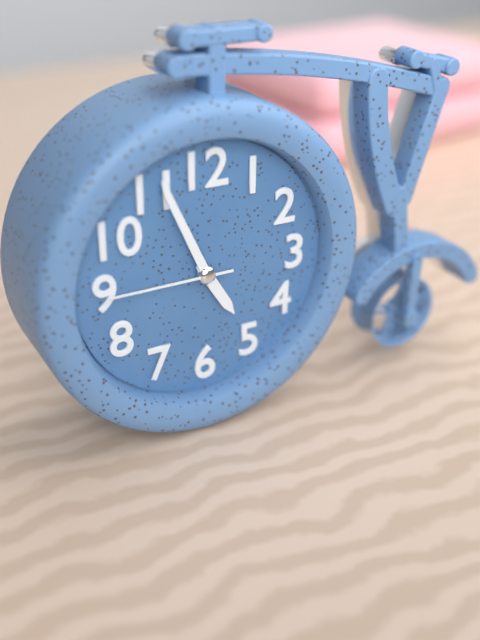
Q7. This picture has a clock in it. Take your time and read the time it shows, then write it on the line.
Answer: 4:56:45
